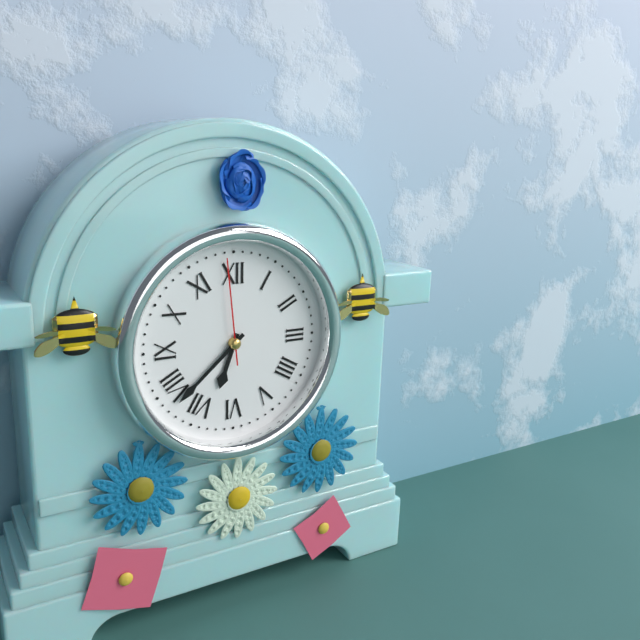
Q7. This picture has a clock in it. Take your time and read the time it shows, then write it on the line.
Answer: 6:38:59
